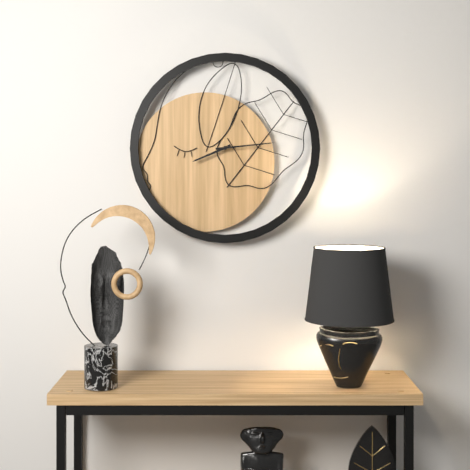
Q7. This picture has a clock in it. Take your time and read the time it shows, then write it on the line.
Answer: 8:14
